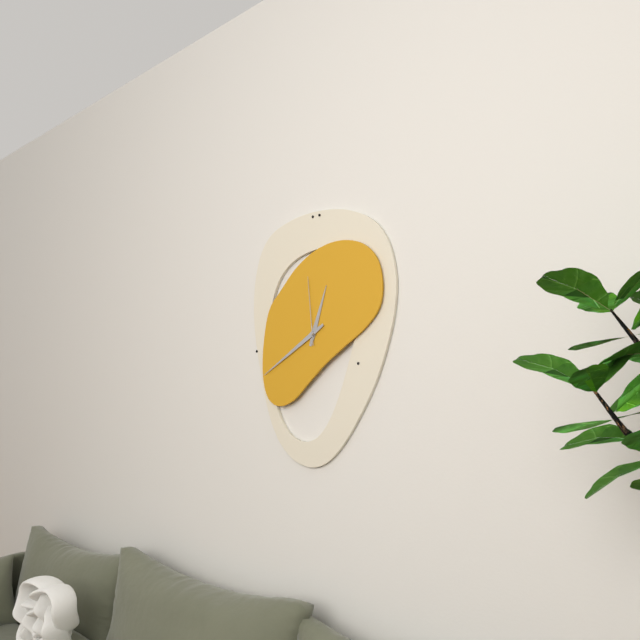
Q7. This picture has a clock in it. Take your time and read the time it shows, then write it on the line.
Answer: 12:40:59
